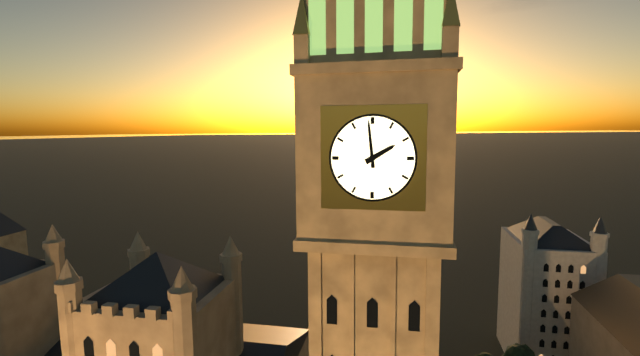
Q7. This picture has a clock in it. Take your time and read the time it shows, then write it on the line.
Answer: 1:59
